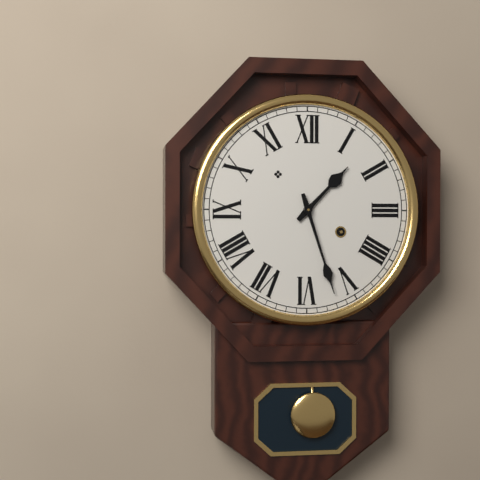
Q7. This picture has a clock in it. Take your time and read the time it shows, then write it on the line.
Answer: 1:27
